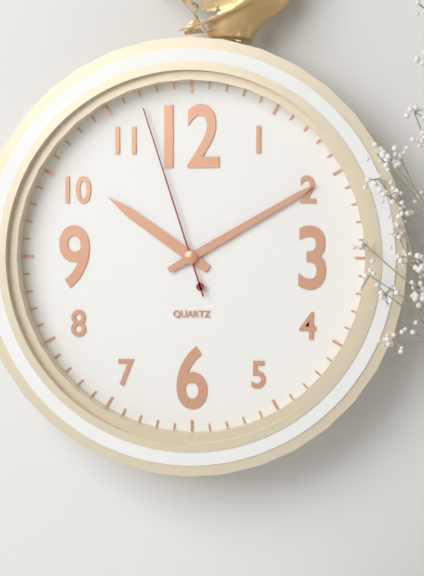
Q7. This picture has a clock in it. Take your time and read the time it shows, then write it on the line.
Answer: 10:10:57
